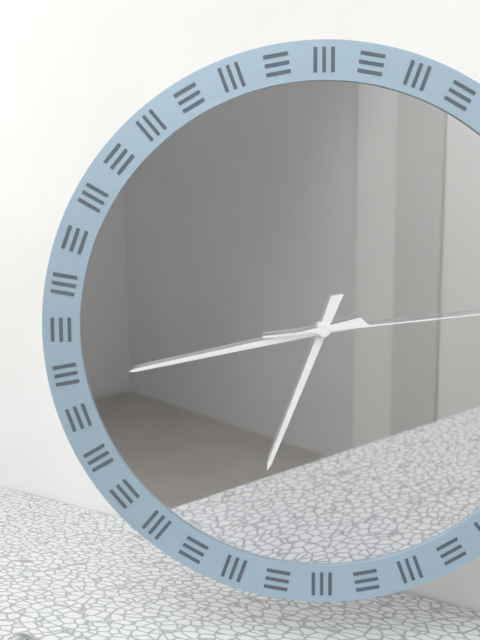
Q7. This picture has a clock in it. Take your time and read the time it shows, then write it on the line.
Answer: 6:43
